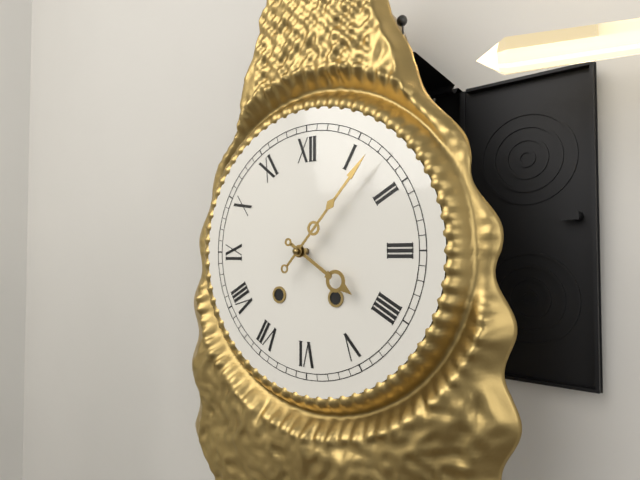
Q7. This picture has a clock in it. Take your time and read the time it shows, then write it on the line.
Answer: 4:07
